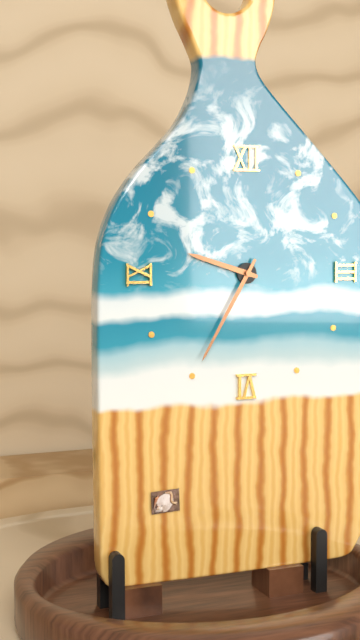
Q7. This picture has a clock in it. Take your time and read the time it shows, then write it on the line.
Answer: 9:35
